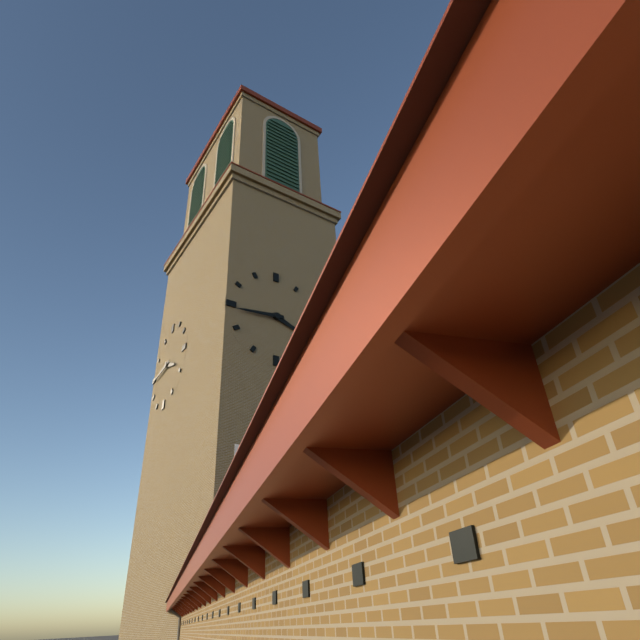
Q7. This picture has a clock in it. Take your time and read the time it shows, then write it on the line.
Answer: 3:44
